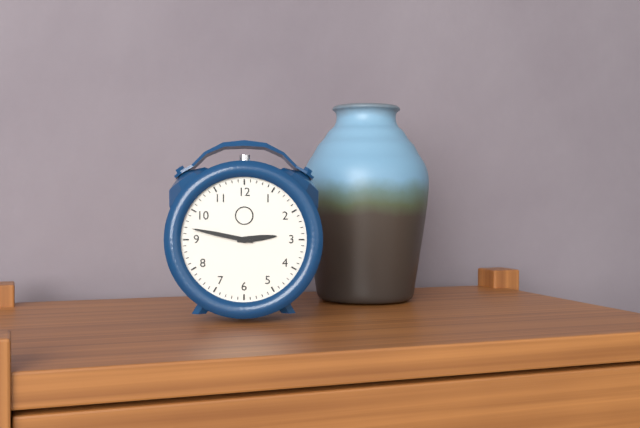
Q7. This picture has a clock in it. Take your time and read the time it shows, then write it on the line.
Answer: 2:47
